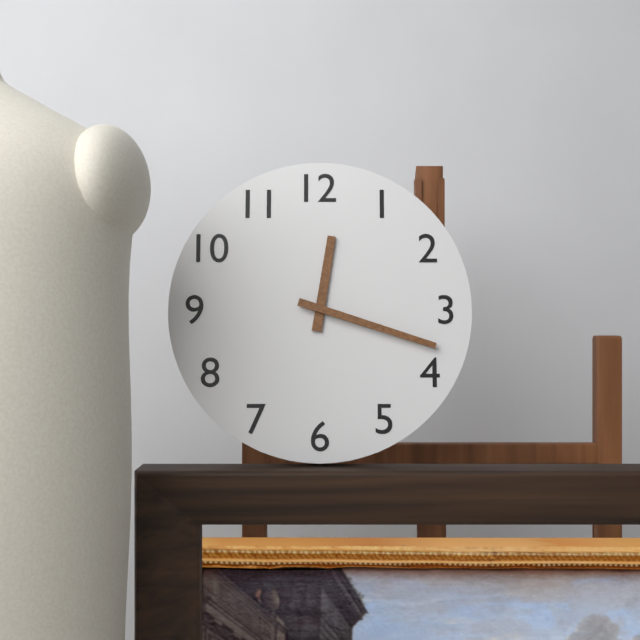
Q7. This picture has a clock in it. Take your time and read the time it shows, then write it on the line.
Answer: 12:18
